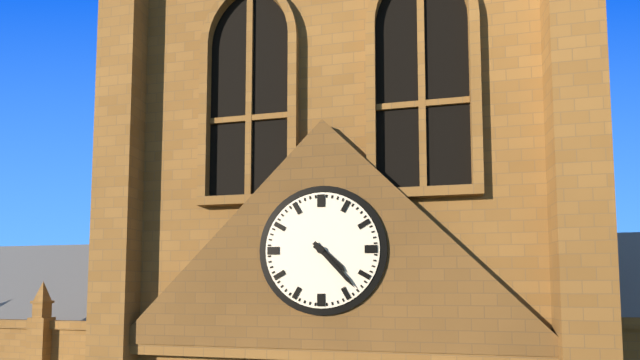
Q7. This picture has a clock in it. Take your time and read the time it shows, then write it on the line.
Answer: 4:23
